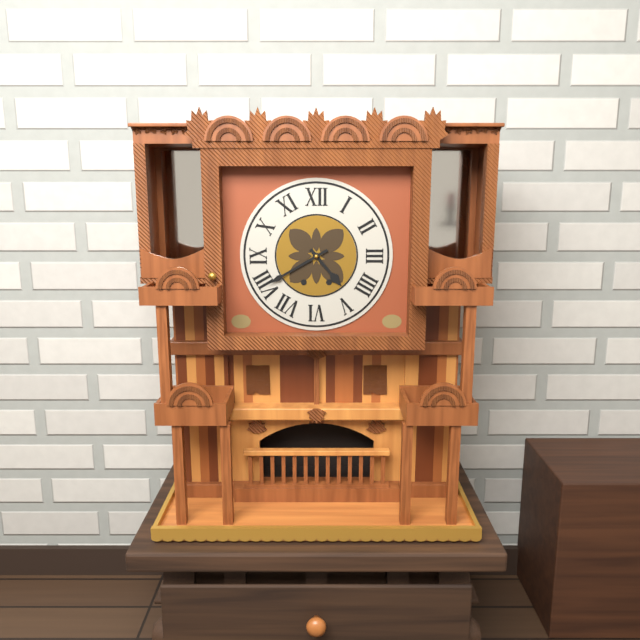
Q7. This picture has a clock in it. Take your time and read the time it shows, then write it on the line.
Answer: 4:40
